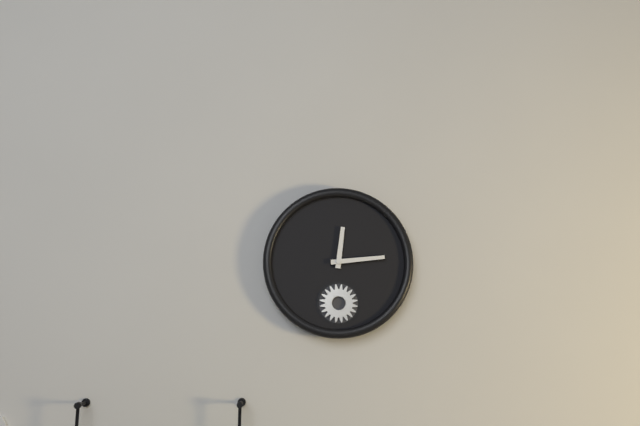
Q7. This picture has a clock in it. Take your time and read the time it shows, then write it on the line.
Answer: 12:14
